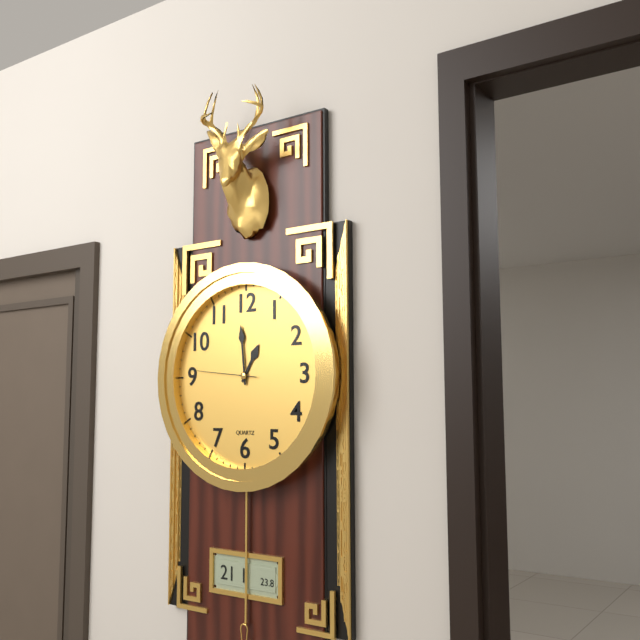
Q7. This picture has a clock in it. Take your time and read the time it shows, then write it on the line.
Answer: 12:59:46
